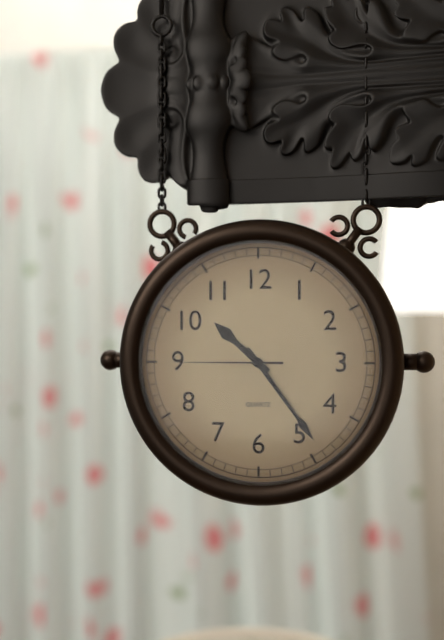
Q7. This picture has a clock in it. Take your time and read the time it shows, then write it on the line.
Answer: 10:24:45
